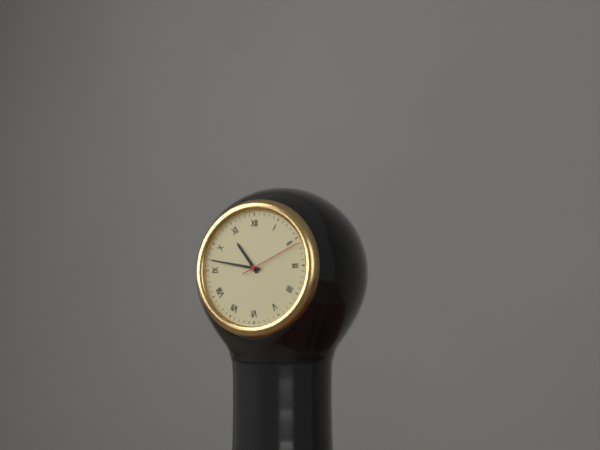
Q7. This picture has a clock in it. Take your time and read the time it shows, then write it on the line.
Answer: 10:47:11
